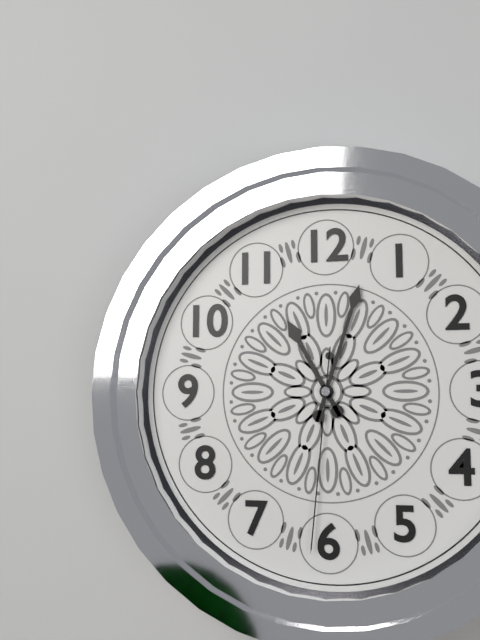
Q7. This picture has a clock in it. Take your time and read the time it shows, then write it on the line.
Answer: 11:03:31
